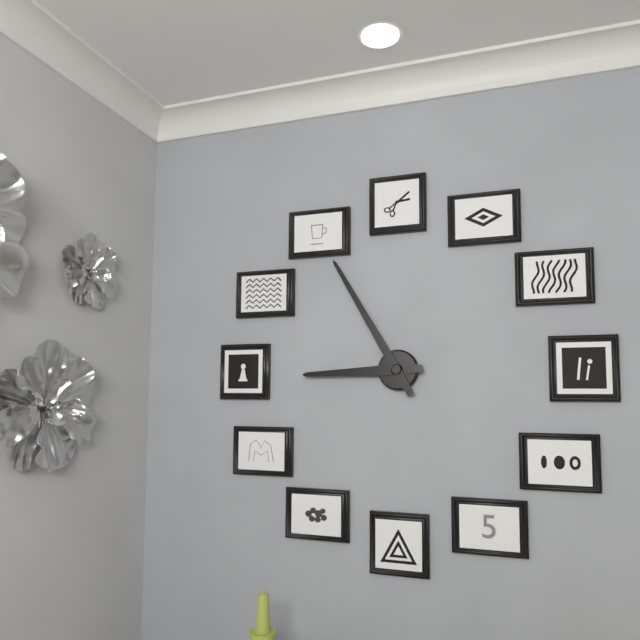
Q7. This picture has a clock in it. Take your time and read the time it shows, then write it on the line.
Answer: 8:55
